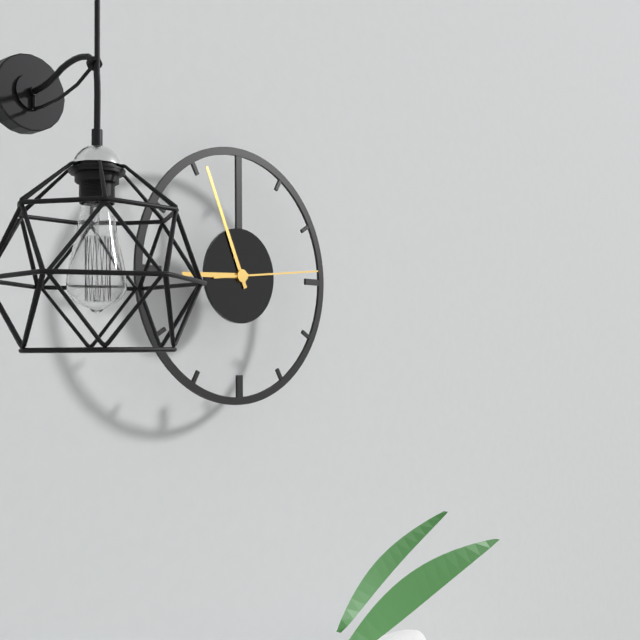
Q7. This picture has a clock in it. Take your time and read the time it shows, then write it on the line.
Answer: 8:56:14
